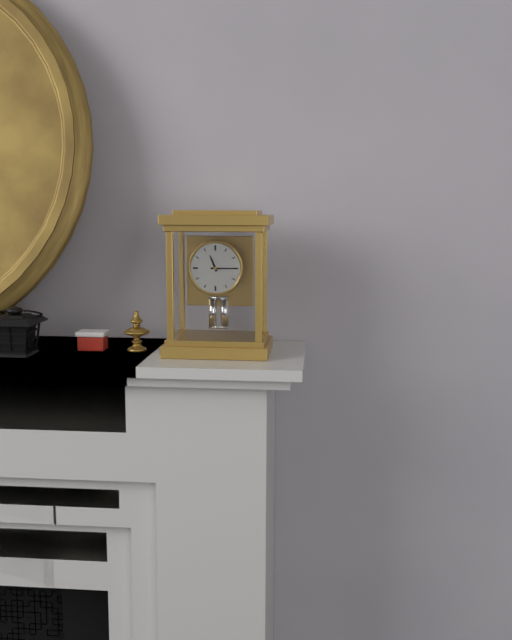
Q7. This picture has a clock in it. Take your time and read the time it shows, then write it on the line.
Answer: 11:15
